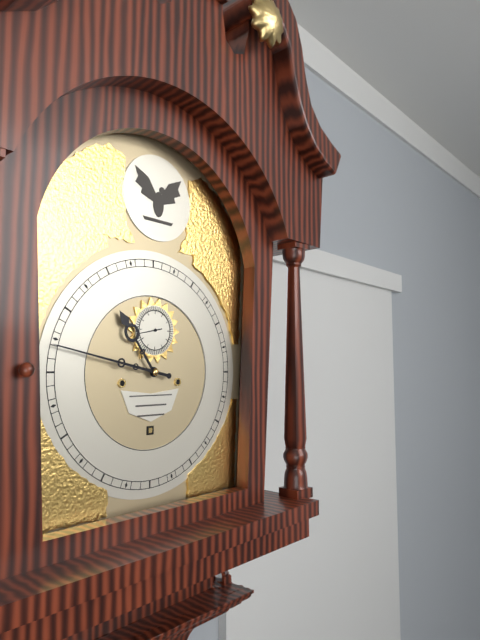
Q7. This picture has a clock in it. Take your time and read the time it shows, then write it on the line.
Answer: 10:47
